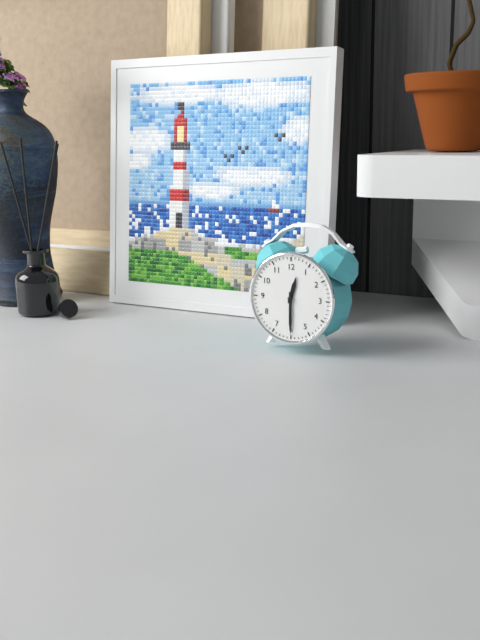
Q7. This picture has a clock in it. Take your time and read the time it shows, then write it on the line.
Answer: 12:30
